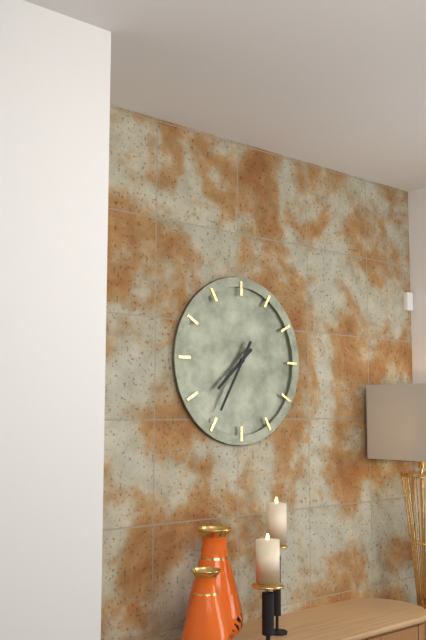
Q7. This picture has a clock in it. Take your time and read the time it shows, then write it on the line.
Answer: 7:35
